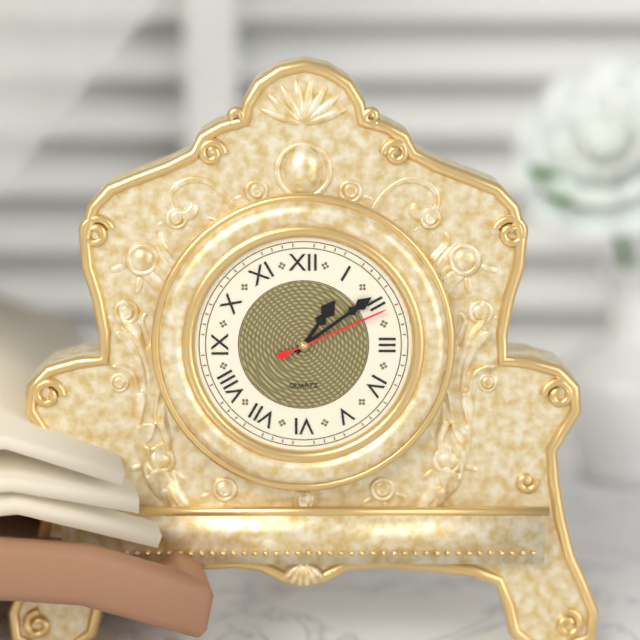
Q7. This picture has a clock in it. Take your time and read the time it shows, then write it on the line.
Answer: 1:09:11
